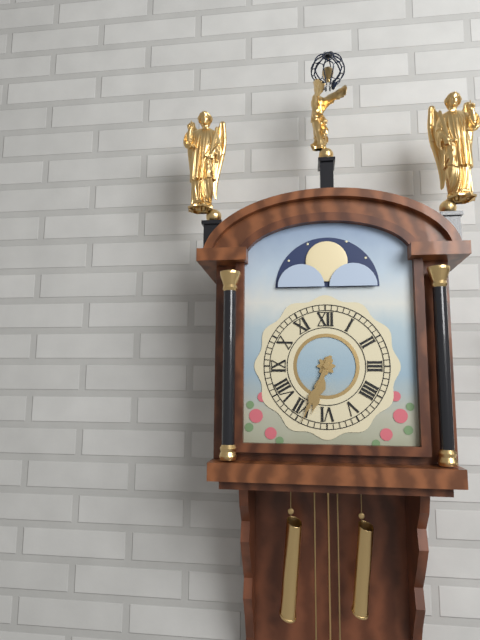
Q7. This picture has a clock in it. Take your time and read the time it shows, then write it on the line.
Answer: 6:34
